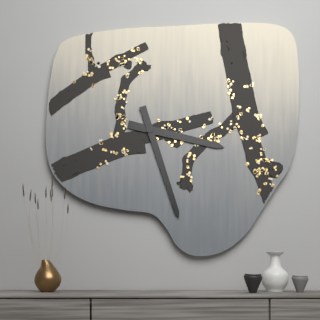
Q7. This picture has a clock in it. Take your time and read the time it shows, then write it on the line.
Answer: 3:27
